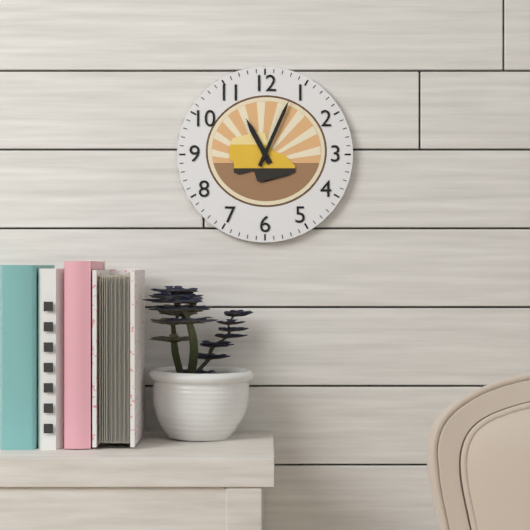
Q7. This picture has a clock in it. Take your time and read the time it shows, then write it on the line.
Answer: 11:04
